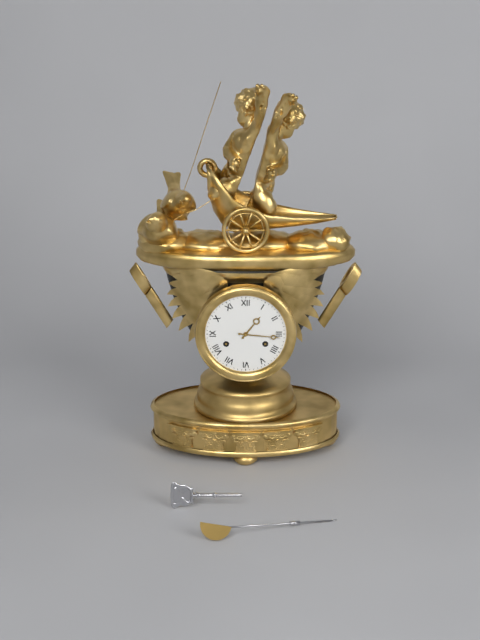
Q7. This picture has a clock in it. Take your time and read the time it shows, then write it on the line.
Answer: 1:16
